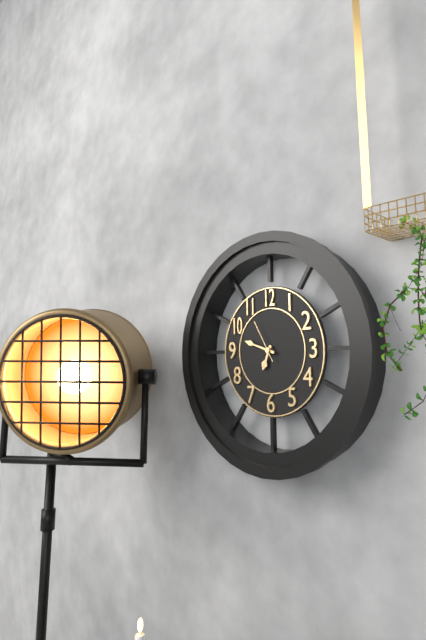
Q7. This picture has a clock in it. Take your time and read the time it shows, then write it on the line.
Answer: 6:48
